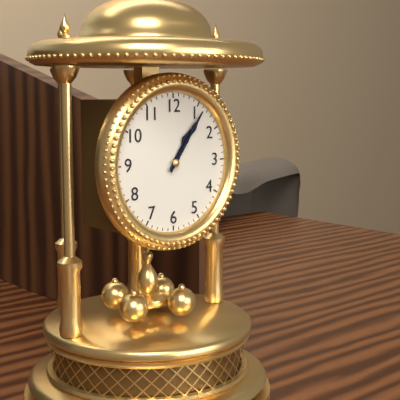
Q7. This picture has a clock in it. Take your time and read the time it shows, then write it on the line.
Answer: 1:06
